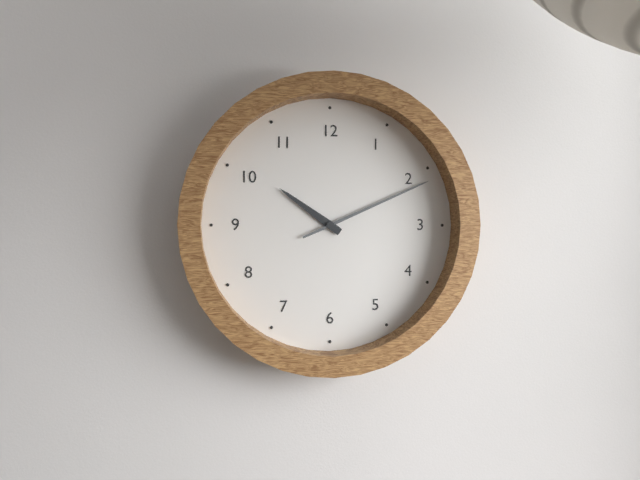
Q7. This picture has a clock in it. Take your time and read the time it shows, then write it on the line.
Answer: 10:11
